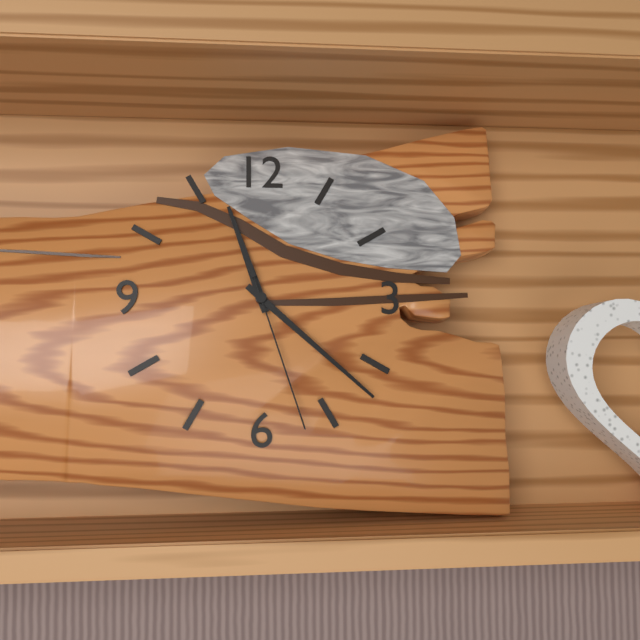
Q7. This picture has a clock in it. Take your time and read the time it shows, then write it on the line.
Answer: 11:22:27
